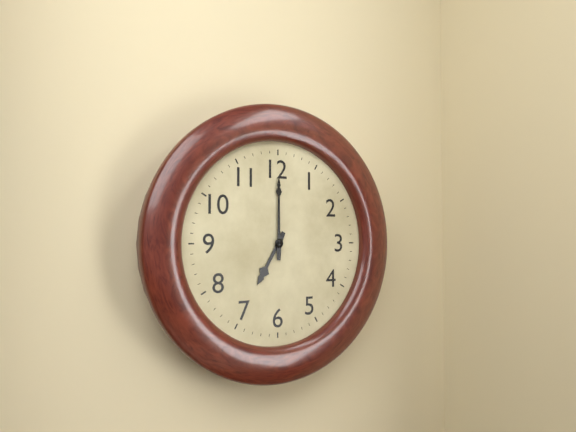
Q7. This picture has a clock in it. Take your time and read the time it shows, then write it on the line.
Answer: 7:00
